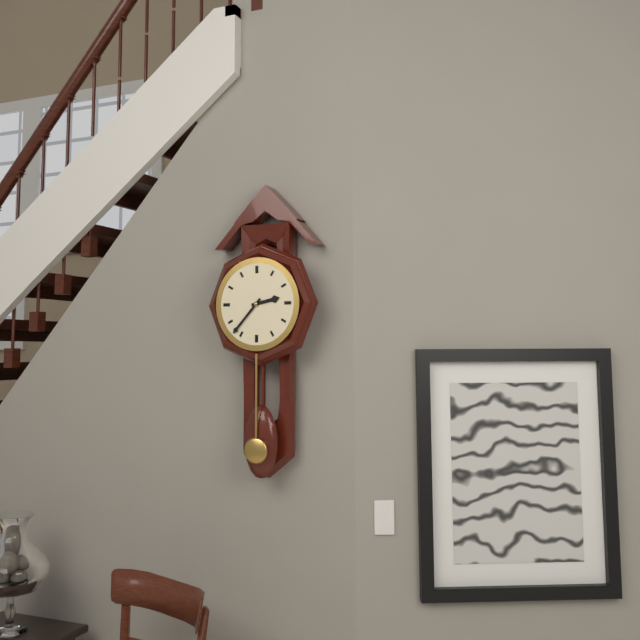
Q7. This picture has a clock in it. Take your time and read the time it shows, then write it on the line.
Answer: 2:37
